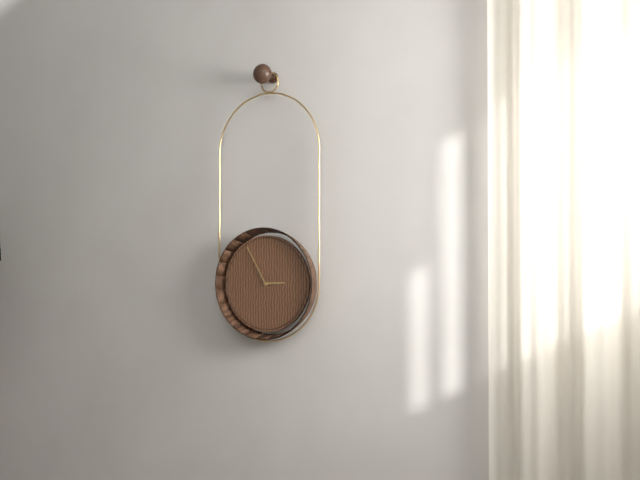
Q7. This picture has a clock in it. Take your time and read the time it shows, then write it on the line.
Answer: 2:55
